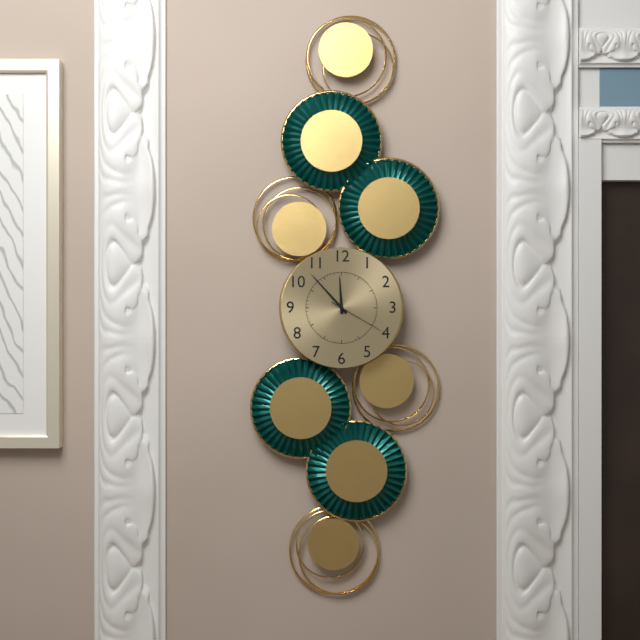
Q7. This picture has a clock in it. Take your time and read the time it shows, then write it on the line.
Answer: 11:53:20
